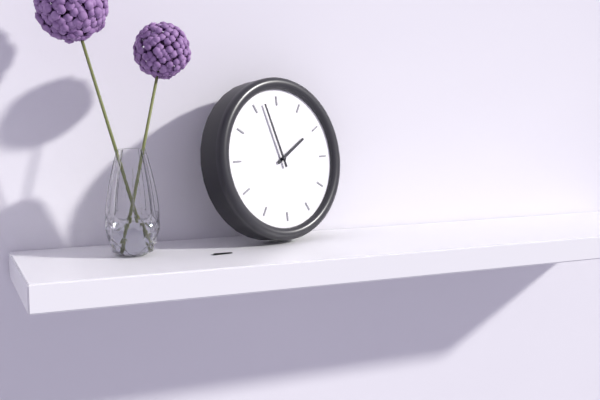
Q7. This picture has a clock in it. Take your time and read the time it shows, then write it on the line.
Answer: 1:57
